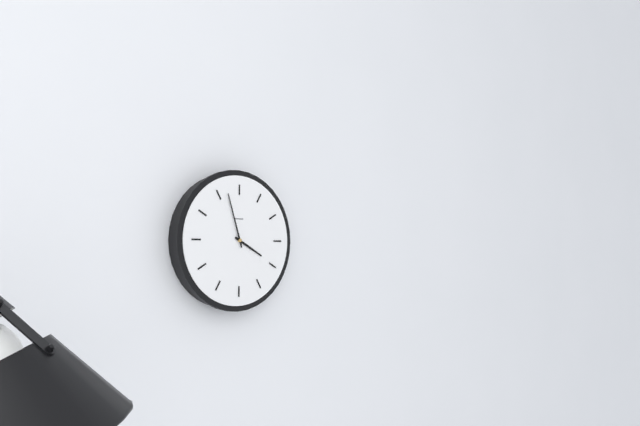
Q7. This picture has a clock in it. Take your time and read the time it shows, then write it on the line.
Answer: 3:57
